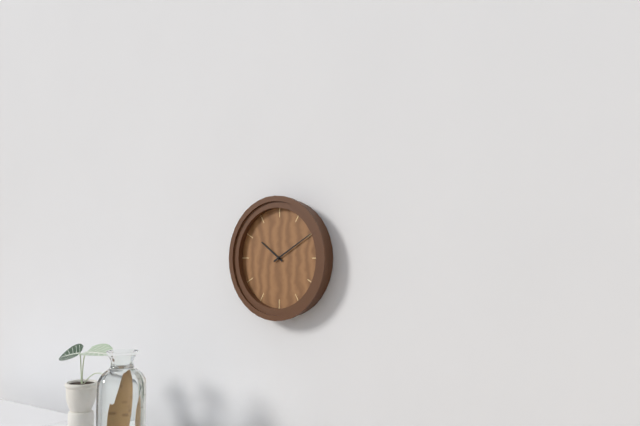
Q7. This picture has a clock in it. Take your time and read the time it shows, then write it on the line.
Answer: 10:10
